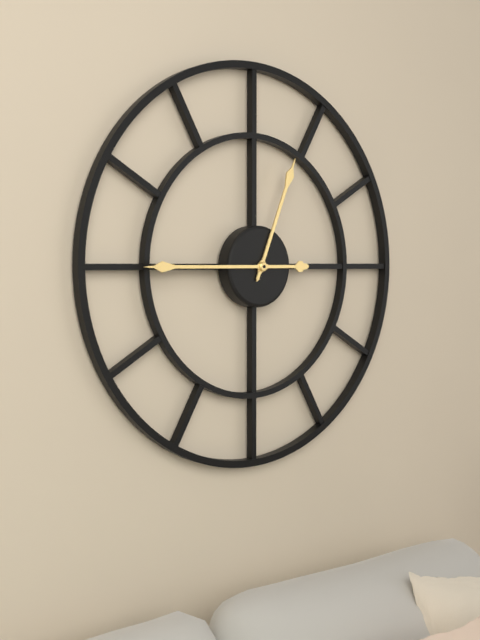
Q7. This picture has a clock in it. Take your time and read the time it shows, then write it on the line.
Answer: 12:45
